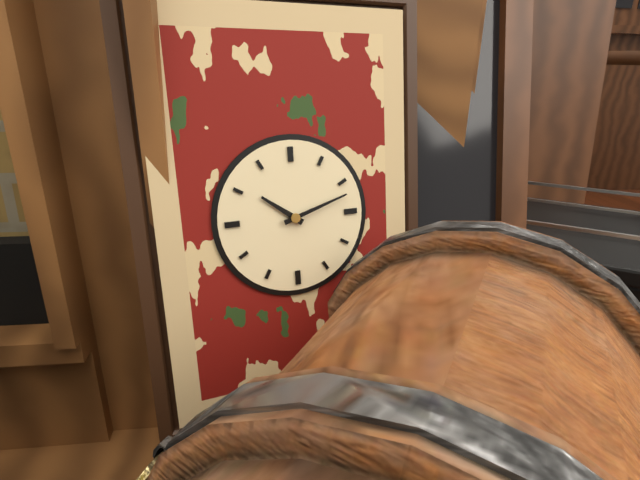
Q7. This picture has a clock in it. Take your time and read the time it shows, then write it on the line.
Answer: 10:12
